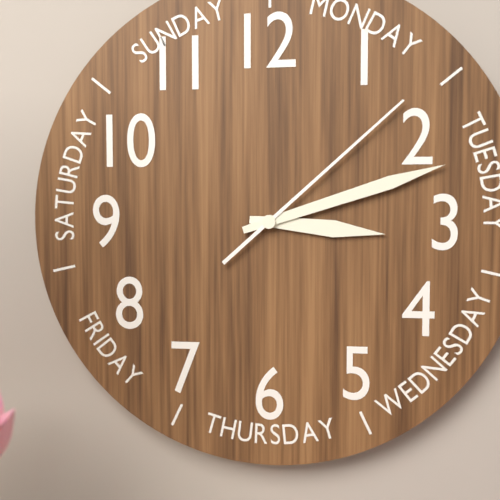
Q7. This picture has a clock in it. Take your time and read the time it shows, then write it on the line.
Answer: 3:12:08
